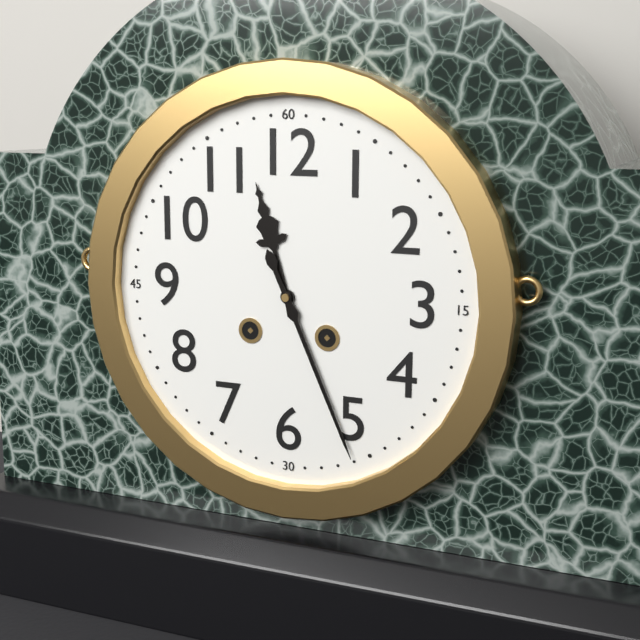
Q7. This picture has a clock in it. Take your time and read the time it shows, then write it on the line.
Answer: 11:26
